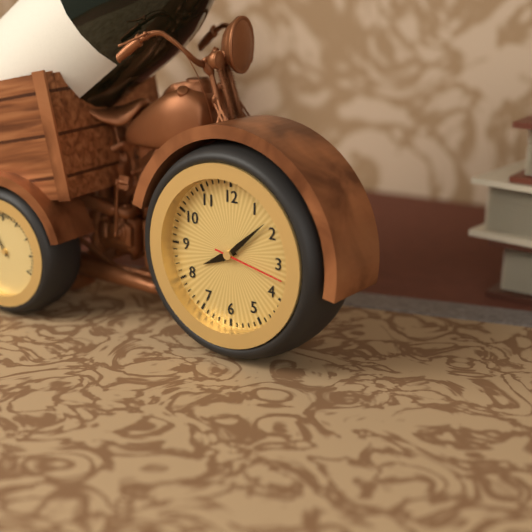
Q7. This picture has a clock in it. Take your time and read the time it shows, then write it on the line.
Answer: 8:08:17
